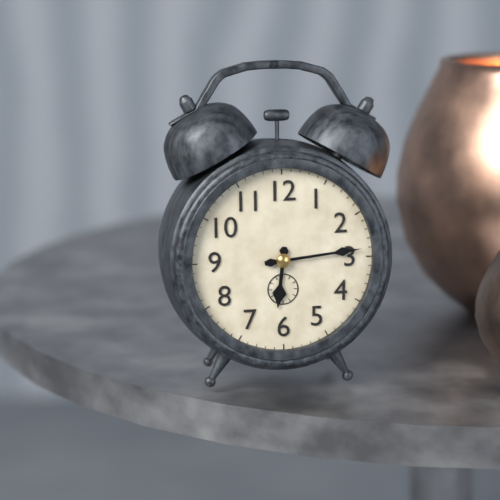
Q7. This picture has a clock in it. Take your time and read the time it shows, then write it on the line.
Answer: 6:14
